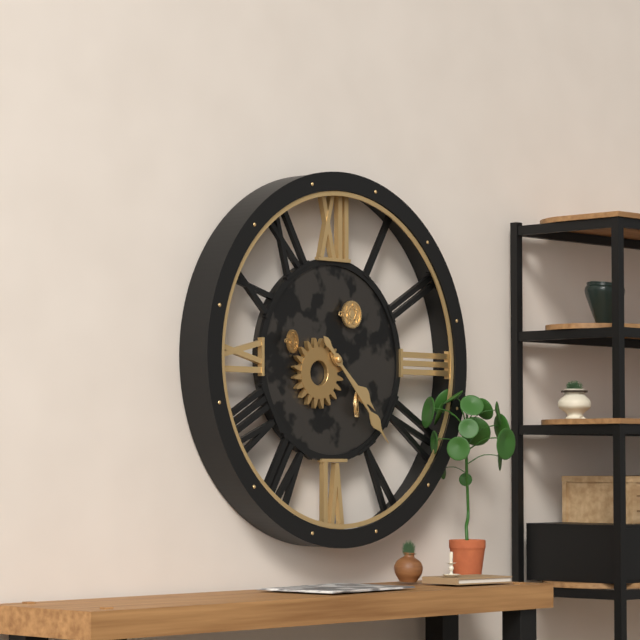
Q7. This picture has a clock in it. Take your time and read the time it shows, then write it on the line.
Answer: 4:23
